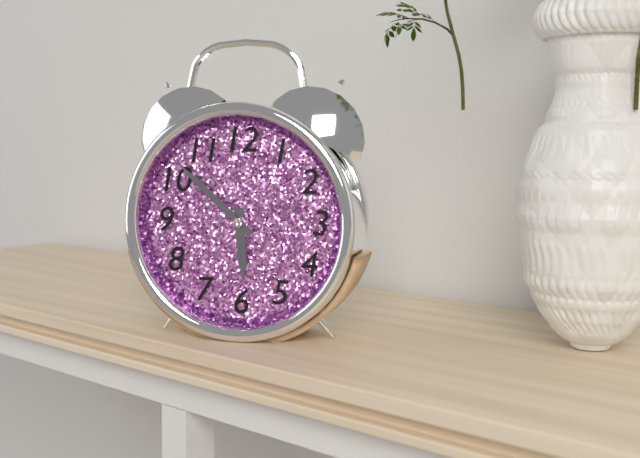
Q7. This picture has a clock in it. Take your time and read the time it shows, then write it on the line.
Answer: 5:52
